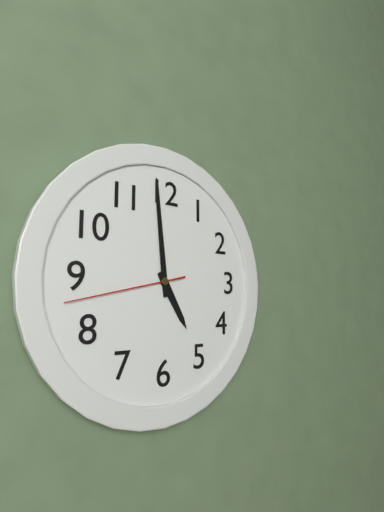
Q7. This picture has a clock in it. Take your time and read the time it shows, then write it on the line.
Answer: 4:59:43
